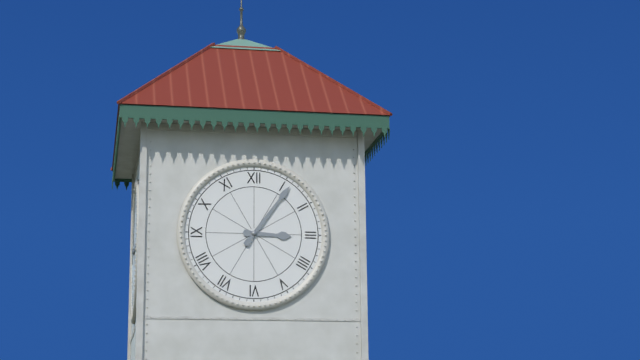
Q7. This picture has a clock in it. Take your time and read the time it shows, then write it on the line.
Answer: 3:06
